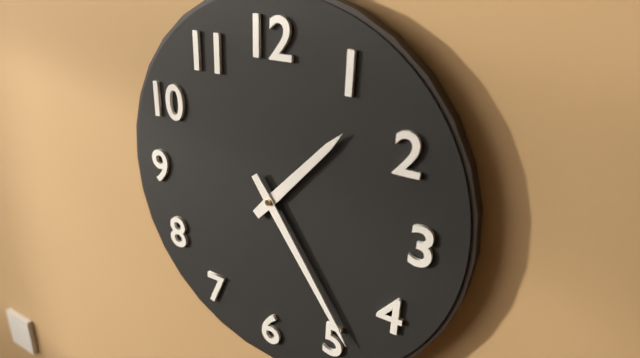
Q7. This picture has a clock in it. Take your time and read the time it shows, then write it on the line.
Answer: 1:24
